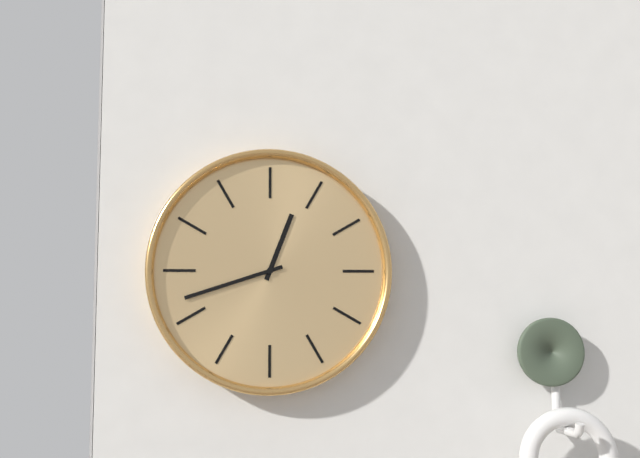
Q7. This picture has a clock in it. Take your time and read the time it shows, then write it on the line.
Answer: 12:42
